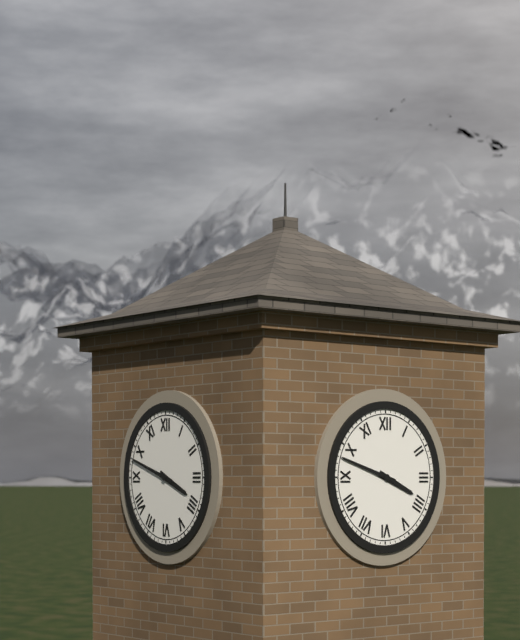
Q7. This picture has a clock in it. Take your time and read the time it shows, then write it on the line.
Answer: 3:48
